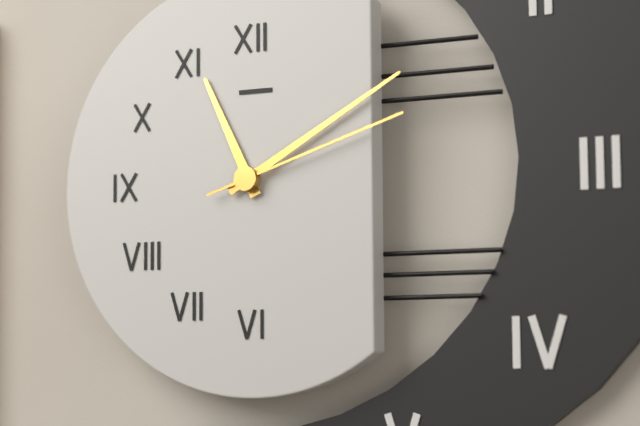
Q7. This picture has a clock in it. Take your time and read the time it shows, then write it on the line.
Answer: 11:10:12
